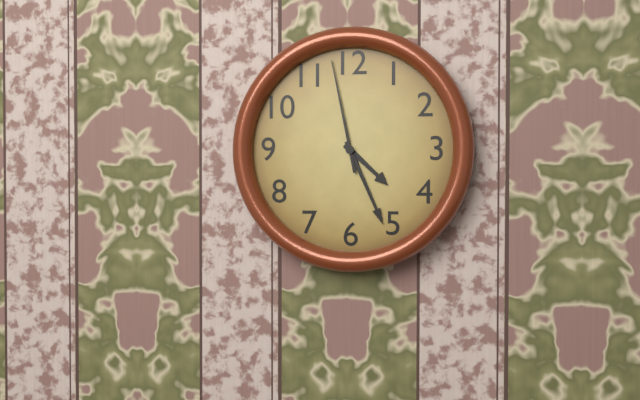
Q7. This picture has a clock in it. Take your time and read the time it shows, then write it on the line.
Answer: 4:26:58
